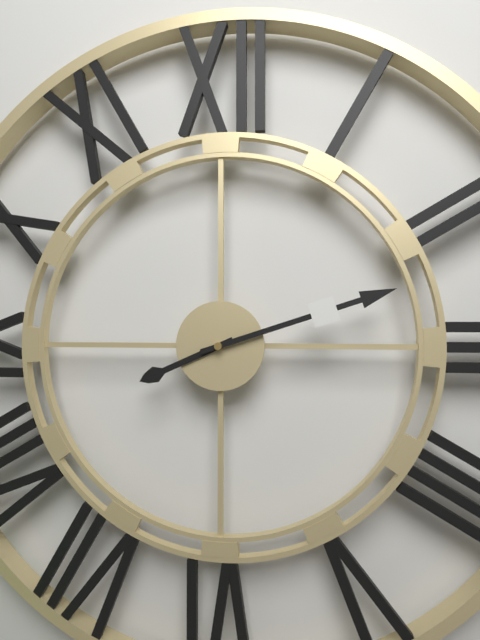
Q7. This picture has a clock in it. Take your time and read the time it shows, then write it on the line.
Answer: 8:12
